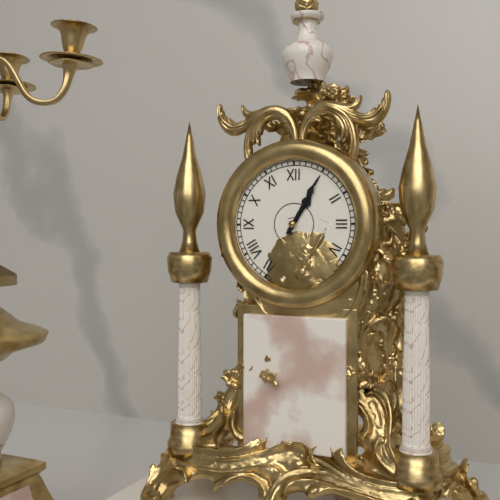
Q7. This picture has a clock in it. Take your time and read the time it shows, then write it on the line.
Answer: 1:05
